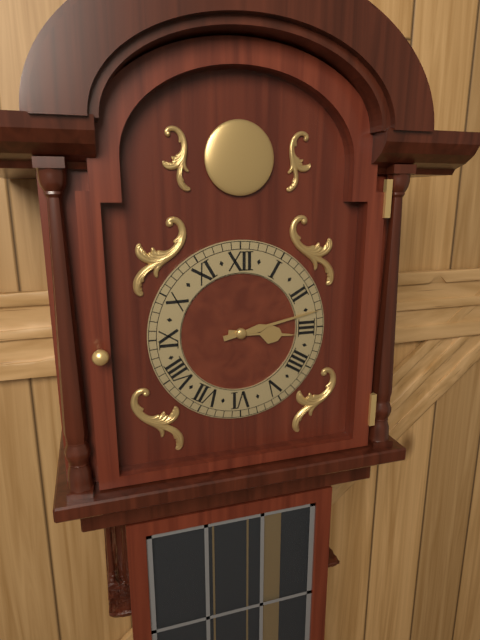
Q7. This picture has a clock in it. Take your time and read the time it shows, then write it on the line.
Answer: 3:13
